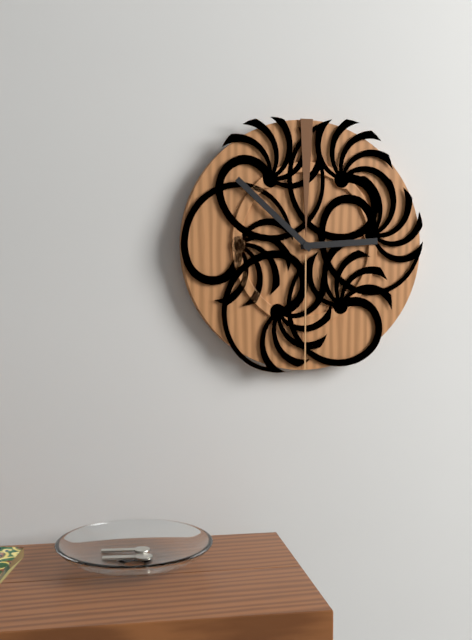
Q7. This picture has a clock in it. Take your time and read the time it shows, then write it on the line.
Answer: 2:52
